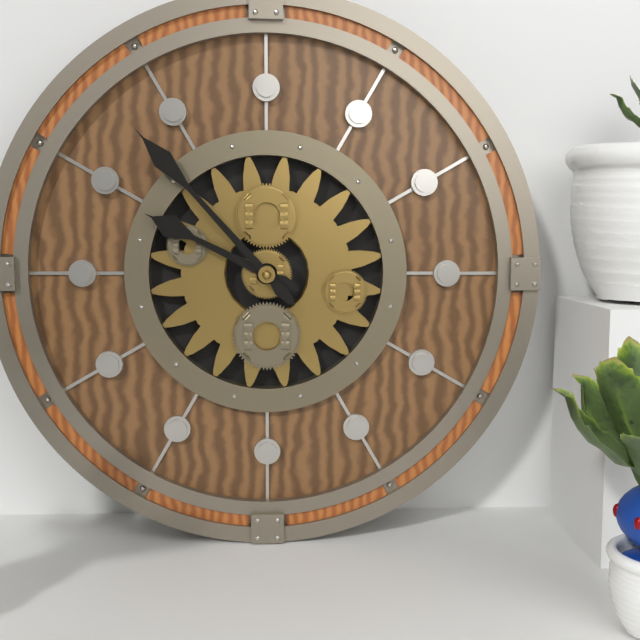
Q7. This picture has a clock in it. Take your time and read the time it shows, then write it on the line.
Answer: 9:53
